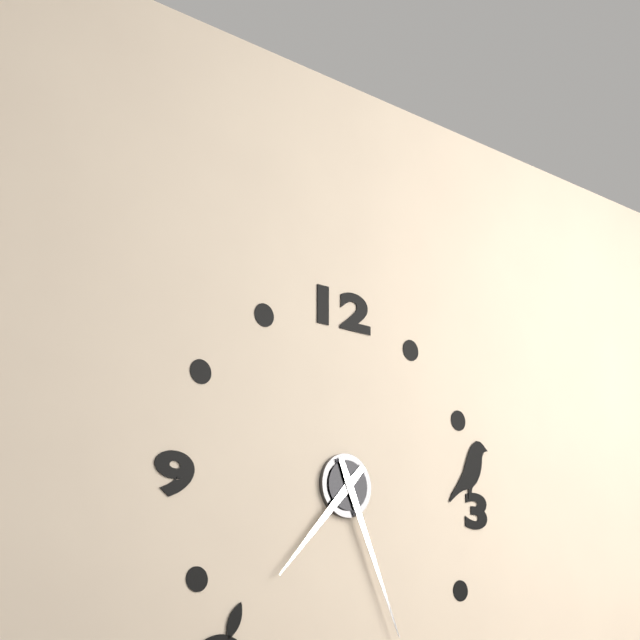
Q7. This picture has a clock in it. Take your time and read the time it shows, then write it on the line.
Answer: 7:26
